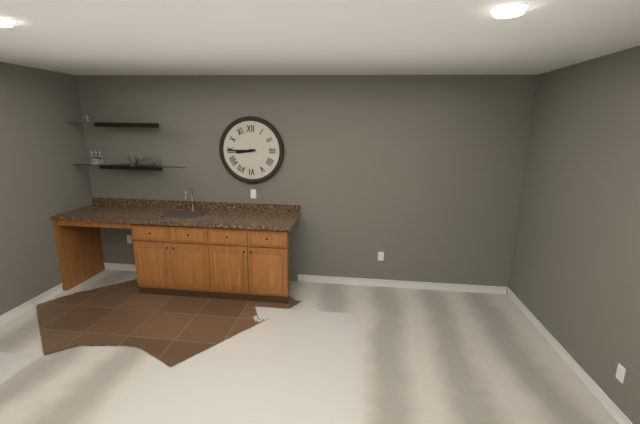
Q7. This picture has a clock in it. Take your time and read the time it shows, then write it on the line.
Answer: 8:45
